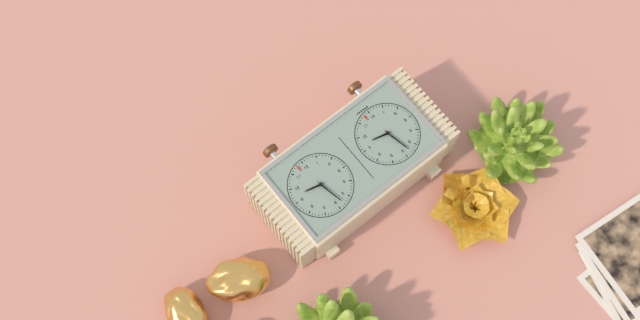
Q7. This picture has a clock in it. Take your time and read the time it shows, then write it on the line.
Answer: 9:28
